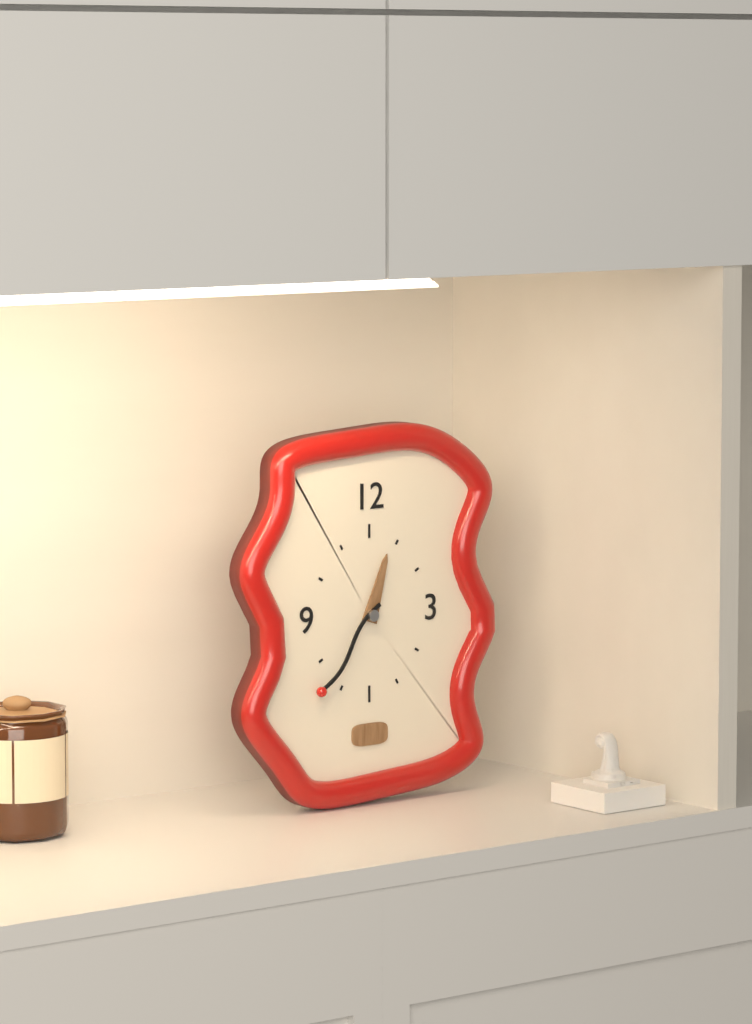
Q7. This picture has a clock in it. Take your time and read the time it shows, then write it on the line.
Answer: 12:37
